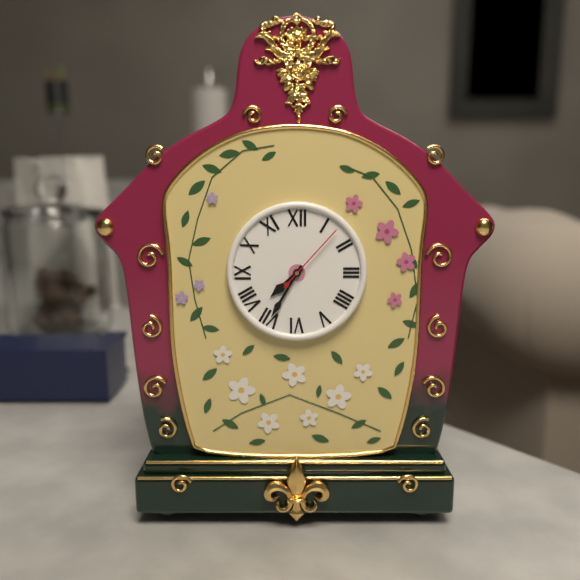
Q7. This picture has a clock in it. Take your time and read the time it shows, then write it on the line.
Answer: 7:35:07
